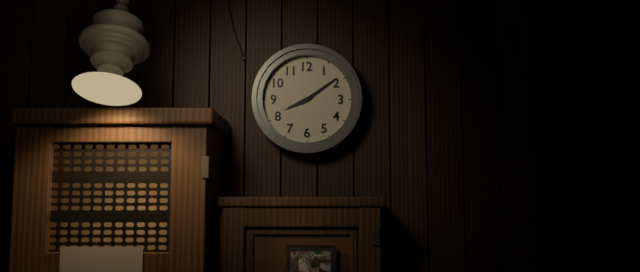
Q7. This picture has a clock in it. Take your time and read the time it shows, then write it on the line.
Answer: 8:09
